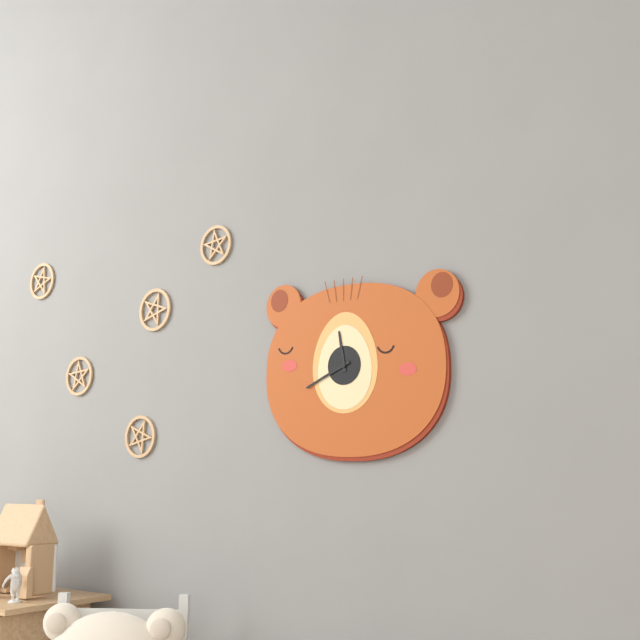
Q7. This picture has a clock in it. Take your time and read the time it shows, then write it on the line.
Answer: 11:41
